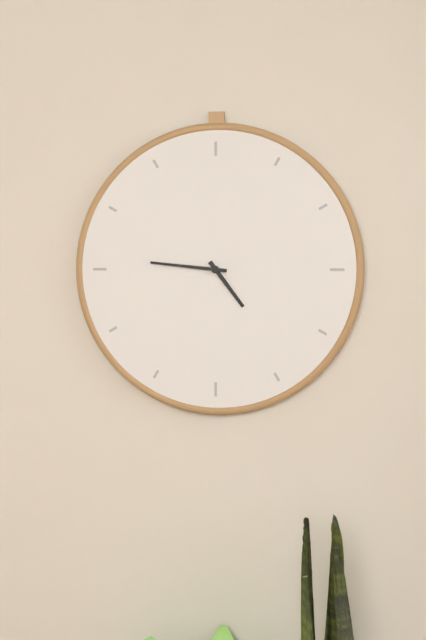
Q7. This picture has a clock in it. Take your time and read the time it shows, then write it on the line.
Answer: 4:46
